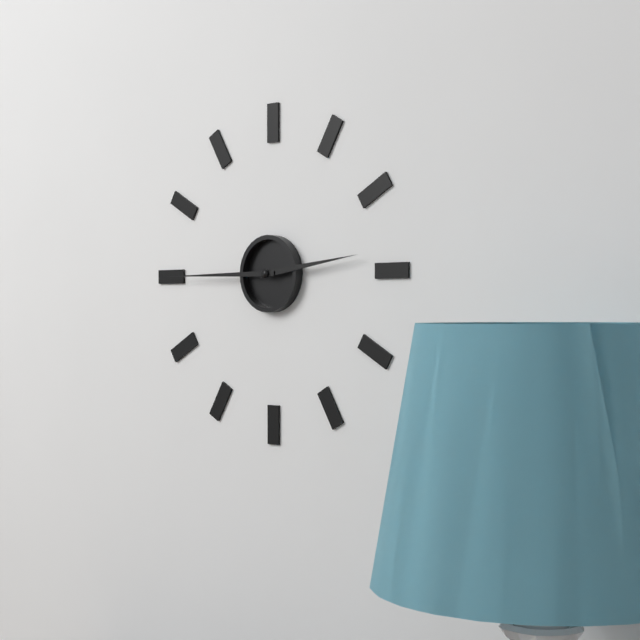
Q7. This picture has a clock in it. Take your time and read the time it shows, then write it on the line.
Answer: 2:45
